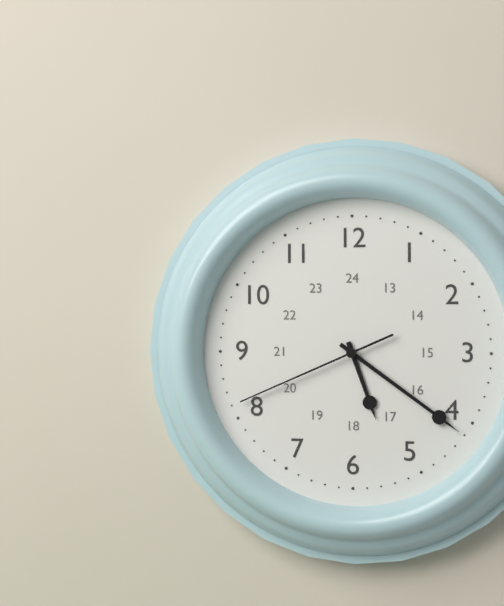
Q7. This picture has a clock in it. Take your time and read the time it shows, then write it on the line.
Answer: 5:21:41
